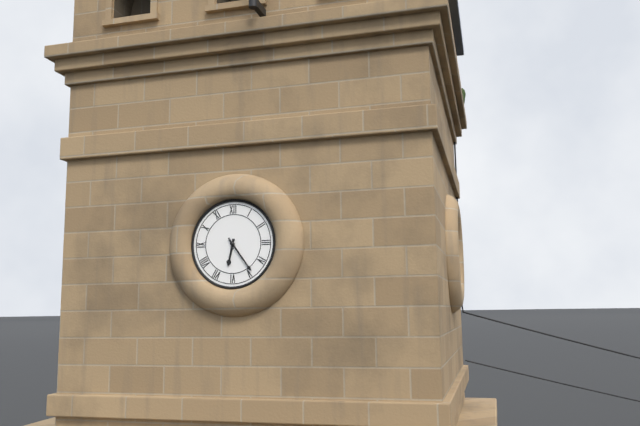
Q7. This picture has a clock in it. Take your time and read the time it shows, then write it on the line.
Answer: 6:24
